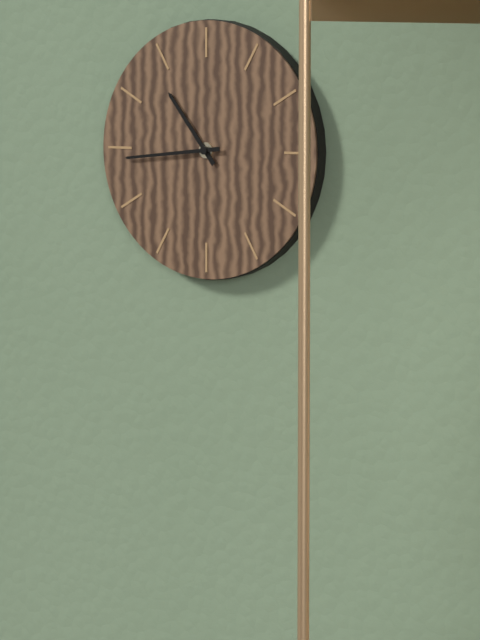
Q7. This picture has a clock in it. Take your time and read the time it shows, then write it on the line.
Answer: 10:44
